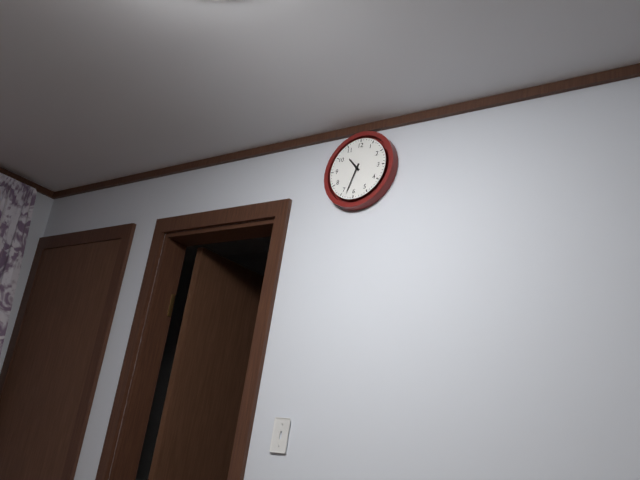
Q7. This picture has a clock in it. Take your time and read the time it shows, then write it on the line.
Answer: 10:33
